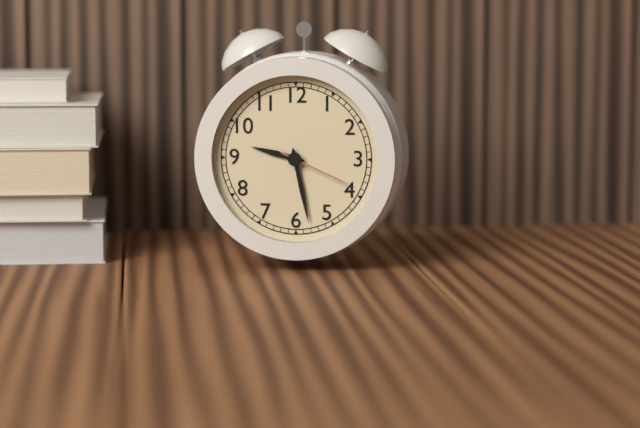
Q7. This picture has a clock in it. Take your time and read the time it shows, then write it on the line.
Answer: 9:28:19
